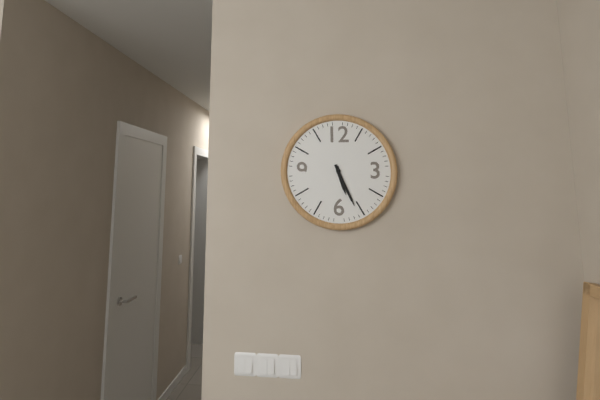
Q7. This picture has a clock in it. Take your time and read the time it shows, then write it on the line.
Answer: 5:26
